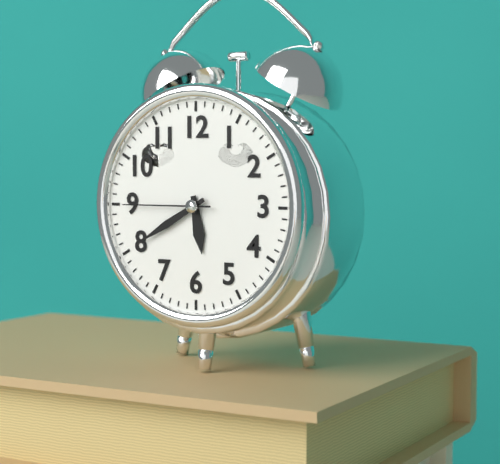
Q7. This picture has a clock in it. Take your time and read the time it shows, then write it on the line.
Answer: 5:40:45
